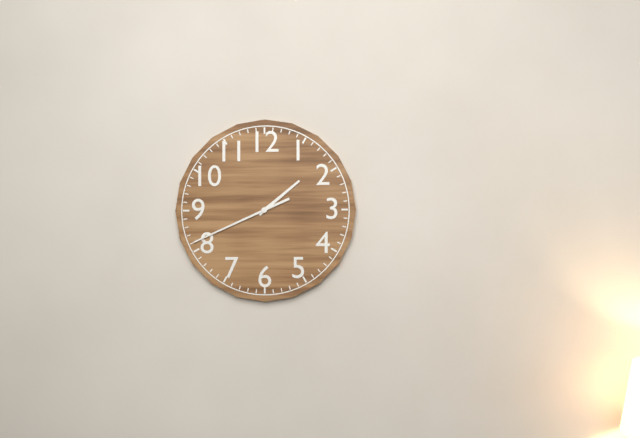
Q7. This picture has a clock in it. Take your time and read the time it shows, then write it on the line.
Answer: 1:41
